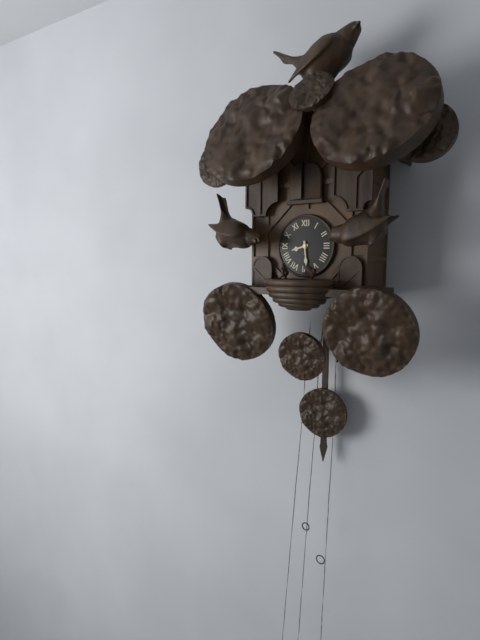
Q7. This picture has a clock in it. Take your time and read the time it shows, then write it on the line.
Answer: 8:29
